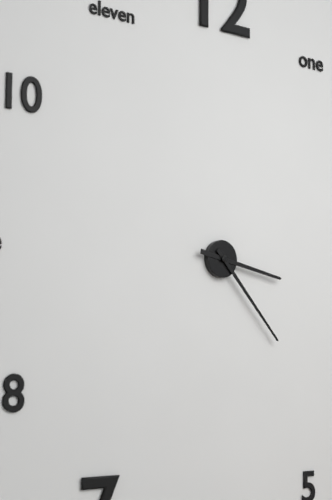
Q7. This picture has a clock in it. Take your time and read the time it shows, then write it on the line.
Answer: 3:23
